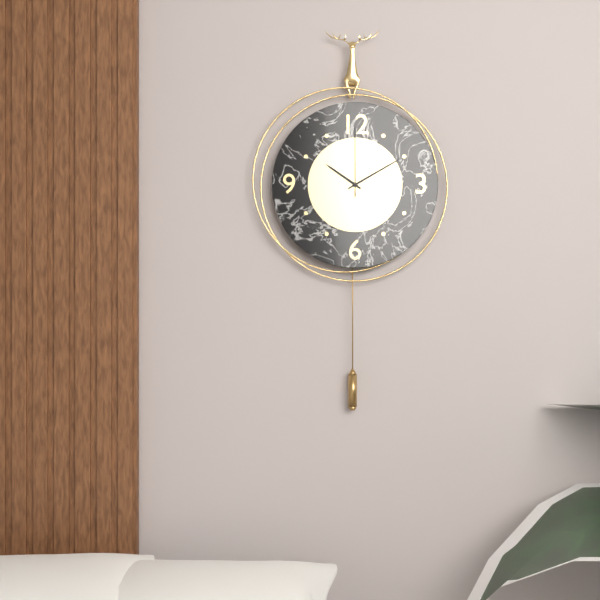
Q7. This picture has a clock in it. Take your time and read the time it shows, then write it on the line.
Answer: 10:10:00
